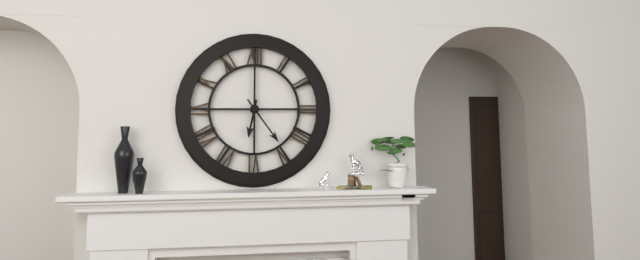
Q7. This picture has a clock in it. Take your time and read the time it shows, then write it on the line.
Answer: 6:24
